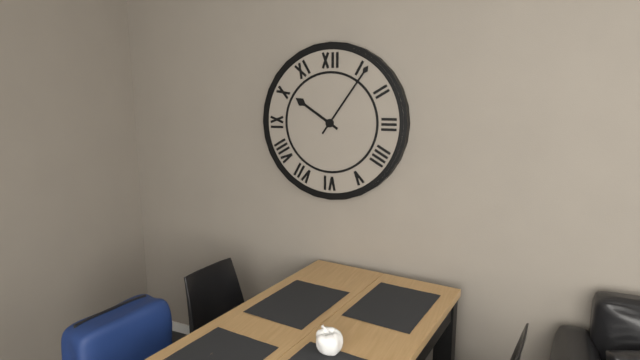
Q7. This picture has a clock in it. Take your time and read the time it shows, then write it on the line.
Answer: 10:06
